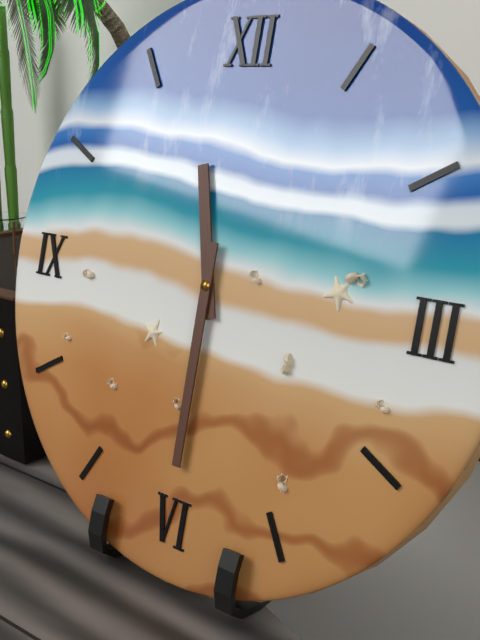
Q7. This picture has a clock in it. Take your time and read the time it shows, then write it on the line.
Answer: 11:30
